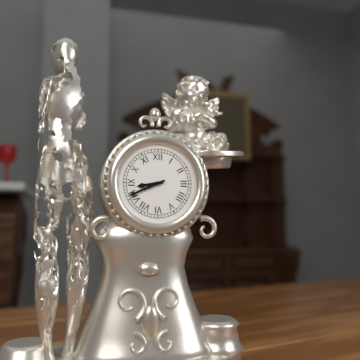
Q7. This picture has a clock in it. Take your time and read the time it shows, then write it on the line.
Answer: 8:41
